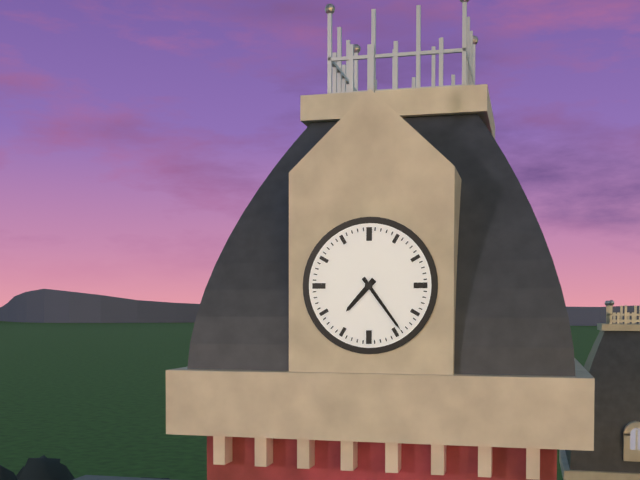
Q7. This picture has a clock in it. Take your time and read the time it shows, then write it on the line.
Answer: 7:24
